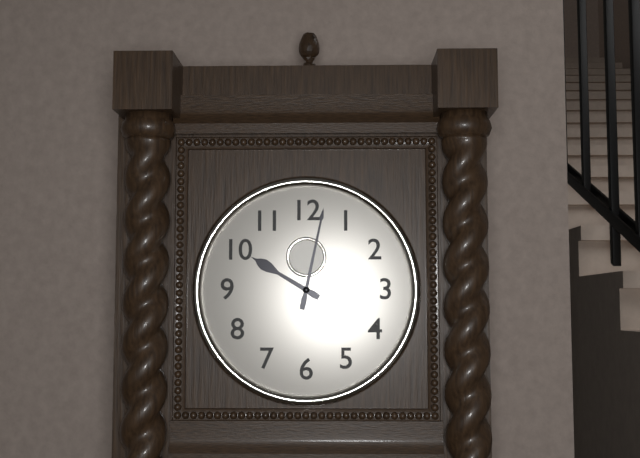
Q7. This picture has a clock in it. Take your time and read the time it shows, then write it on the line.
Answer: 10:02
